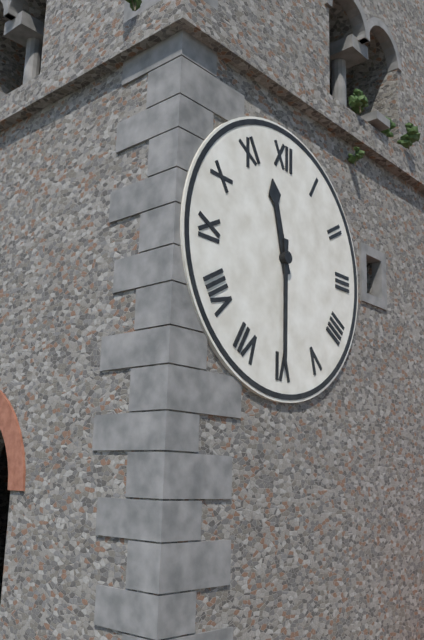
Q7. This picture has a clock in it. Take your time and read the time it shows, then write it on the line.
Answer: 11:30
